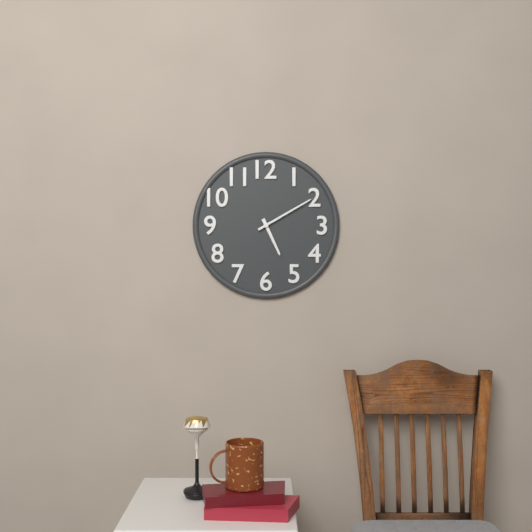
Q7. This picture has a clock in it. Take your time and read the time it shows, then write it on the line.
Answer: 5:10
